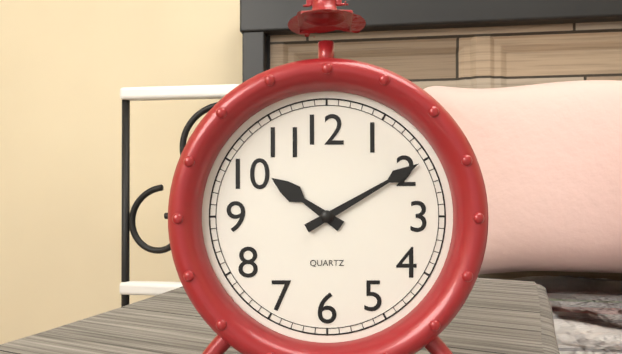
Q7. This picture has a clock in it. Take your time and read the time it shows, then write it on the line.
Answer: 10:10
